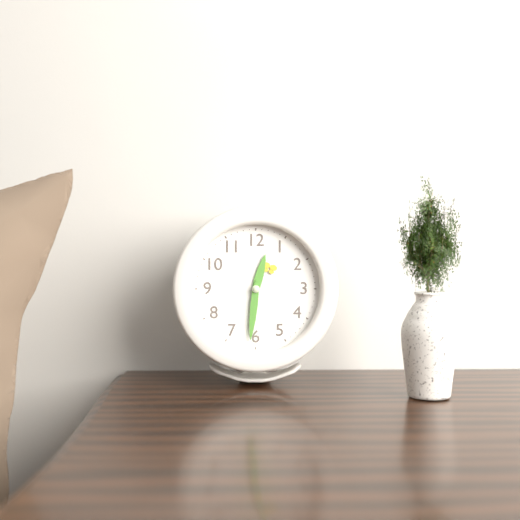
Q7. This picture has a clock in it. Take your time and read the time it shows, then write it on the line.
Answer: 12:31
